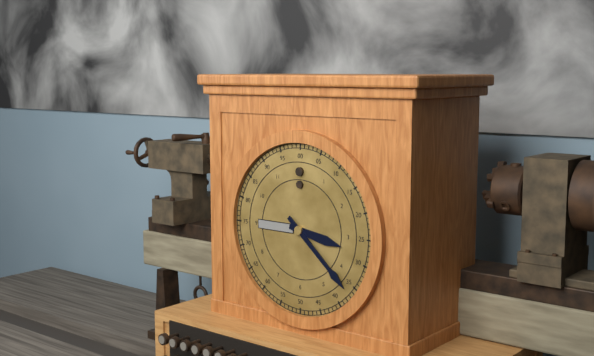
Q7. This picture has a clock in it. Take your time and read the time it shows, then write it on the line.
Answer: 3:22
